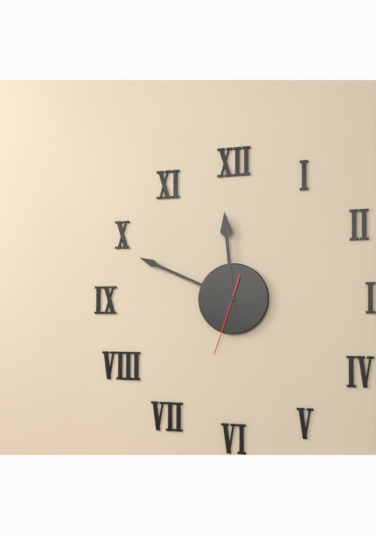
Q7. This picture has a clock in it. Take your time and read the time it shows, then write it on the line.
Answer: 11:49:33
